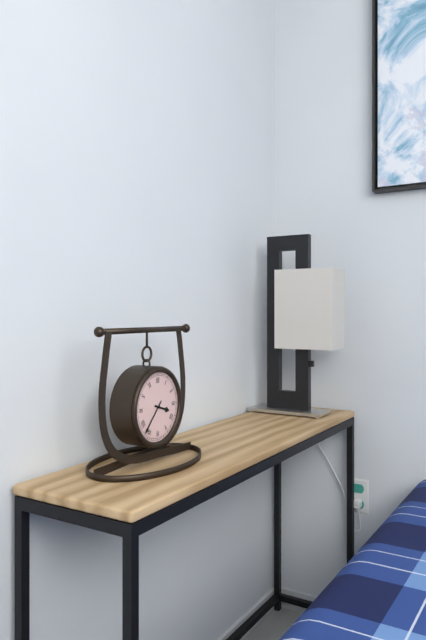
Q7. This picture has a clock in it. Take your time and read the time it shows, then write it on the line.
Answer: 3:37
